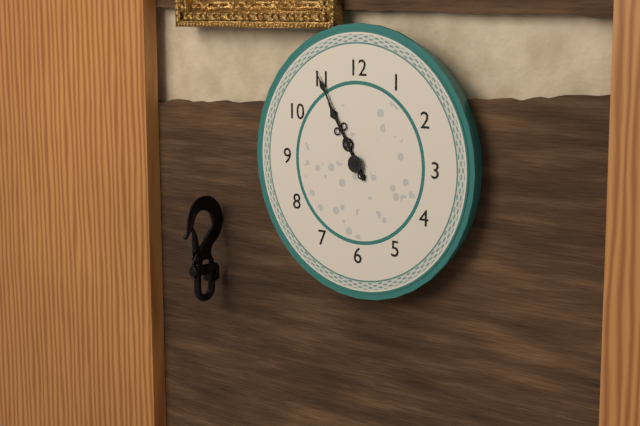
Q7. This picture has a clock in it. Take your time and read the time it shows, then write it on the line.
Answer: 10:55
